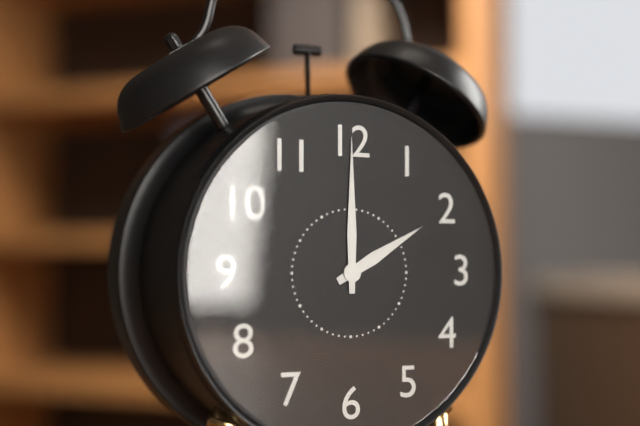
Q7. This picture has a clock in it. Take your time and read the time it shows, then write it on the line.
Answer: 2:00
